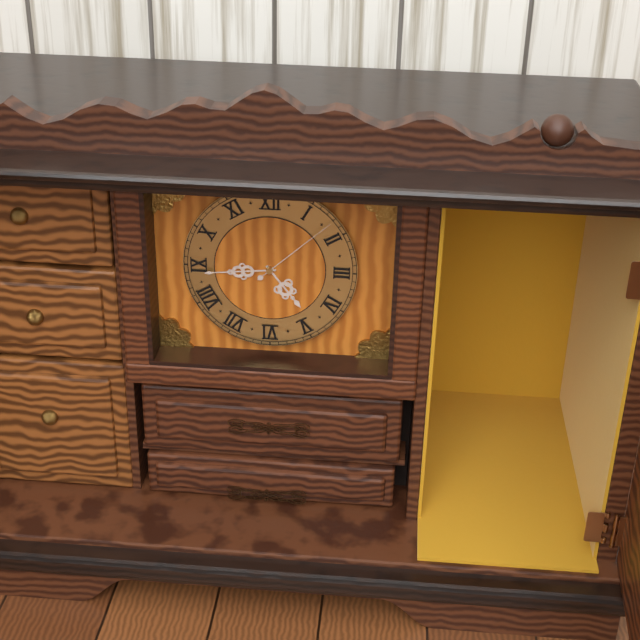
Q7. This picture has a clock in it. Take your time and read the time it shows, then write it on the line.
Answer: 4:44:08
